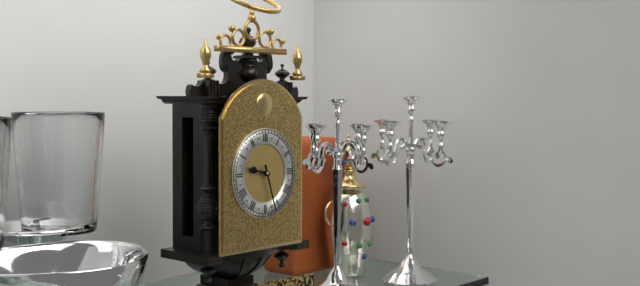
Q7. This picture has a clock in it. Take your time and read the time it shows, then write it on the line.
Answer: 9:27
